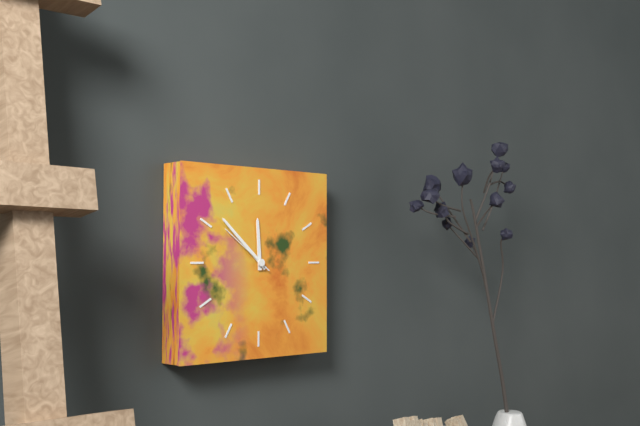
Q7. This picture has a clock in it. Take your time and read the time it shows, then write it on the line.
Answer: 11:52:51
